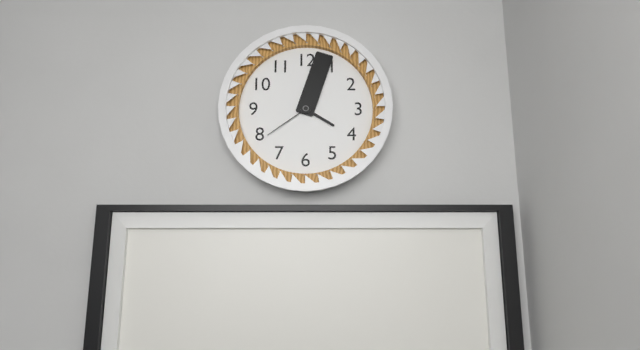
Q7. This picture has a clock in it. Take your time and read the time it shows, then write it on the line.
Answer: 4:03:39
